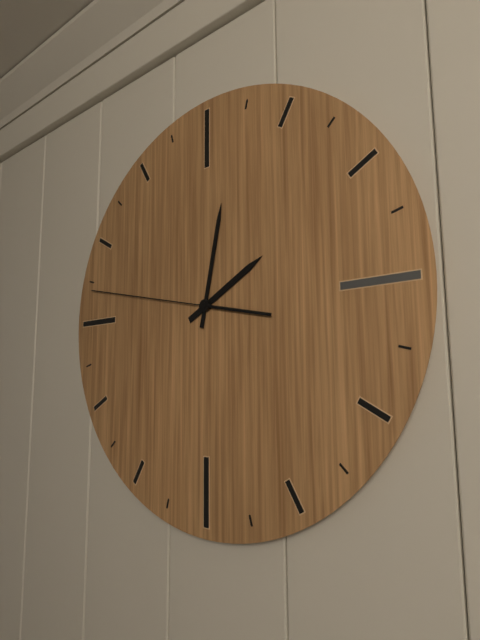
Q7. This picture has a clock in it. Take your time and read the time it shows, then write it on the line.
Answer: 2:02:47
